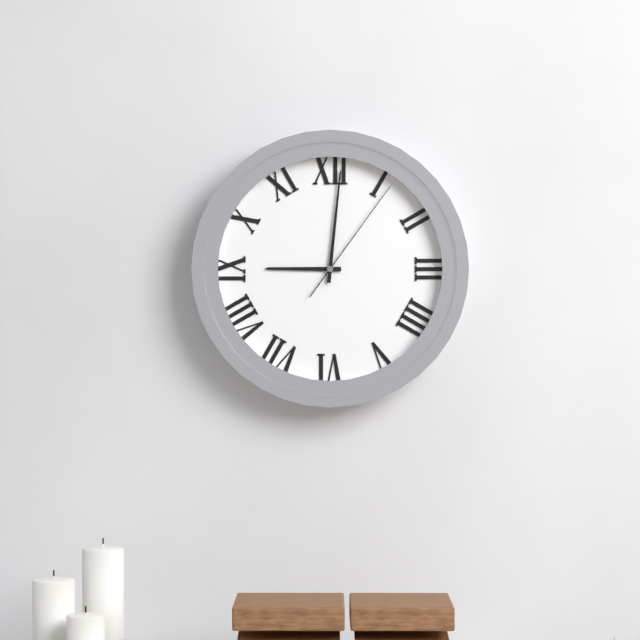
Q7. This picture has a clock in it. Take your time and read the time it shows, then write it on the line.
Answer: 9:01:06
